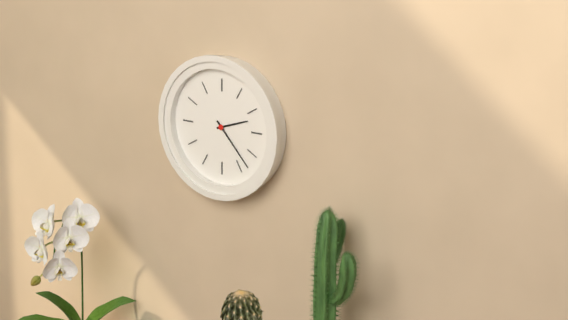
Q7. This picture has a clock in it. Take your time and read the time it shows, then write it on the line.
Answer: 2:23
